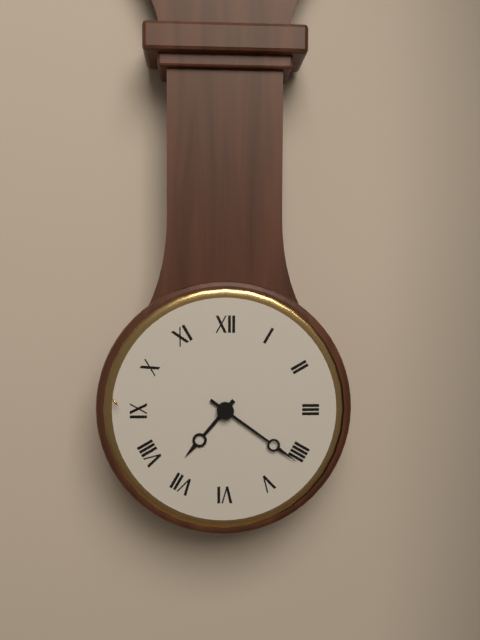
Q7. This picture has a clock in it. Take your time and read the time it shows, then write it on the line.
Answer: 7:21
